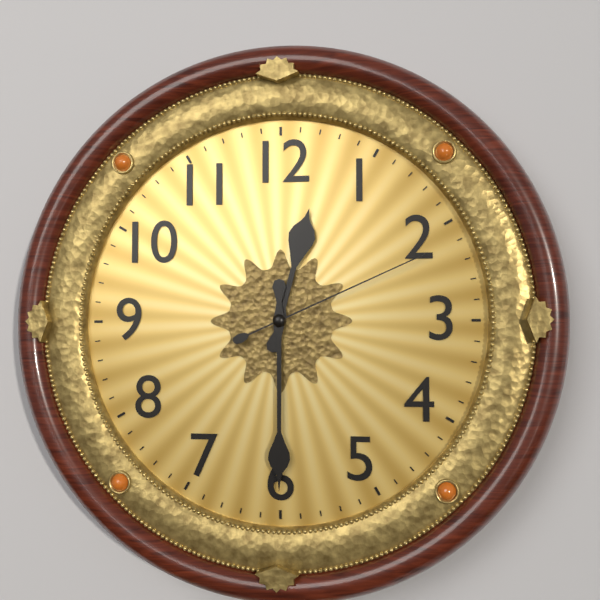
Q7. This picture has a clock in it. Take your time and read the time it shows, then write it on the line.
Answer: 12:30:11
